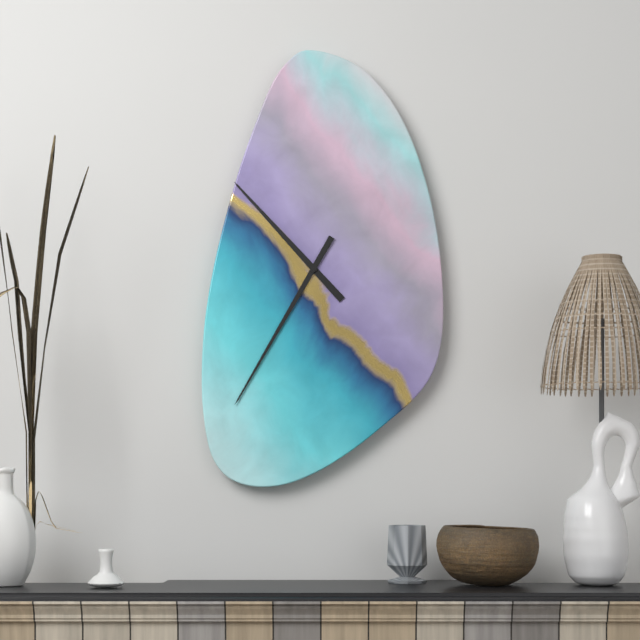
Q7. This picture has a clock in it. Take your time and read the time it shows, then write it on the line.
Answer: 10:35
